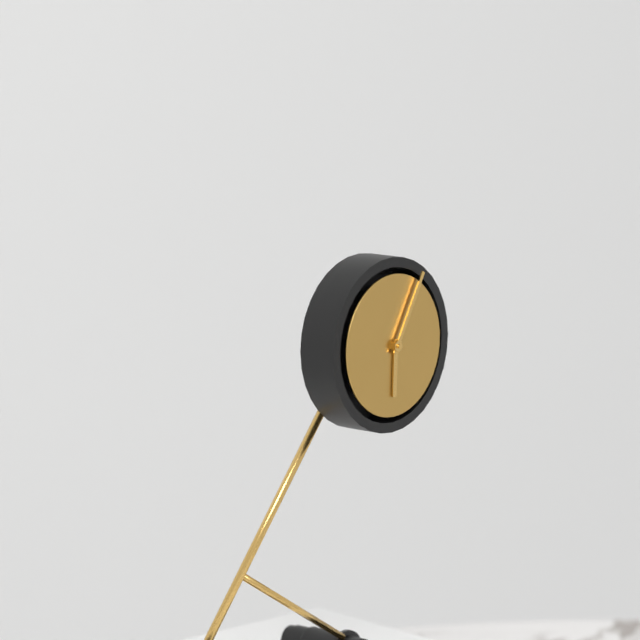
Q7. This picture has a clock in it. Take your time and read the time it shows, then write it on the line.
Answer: 6:05
